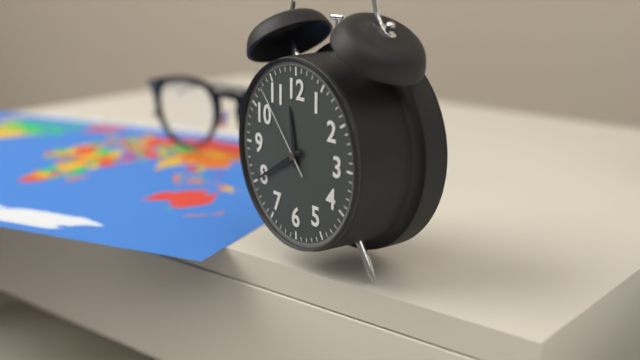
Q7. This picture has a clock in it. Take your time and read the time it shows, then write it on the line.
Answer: 11:40:53
